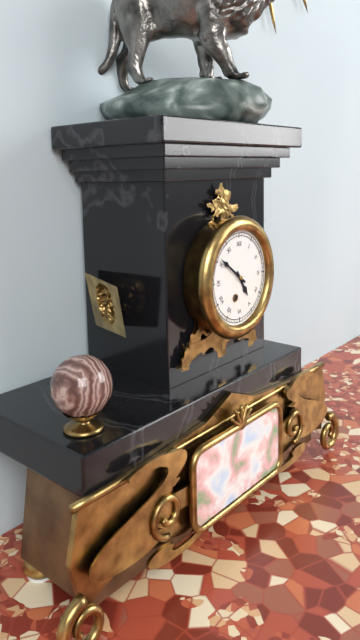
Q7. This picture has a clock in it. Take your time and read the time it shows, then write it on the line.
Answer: 4:51
